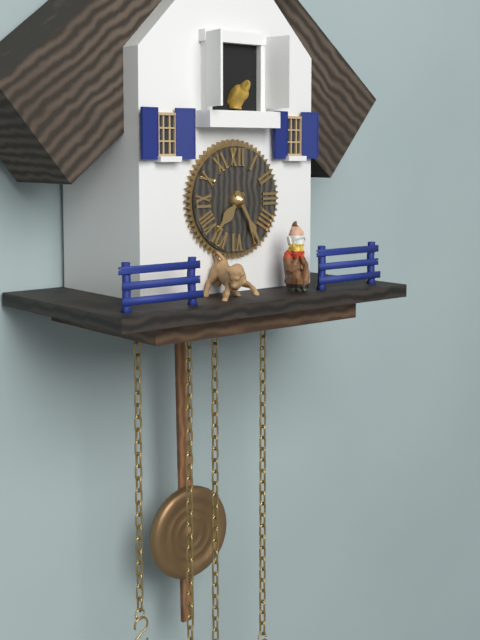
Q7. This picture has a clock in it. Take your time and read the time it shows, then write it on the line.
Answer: 7:25
